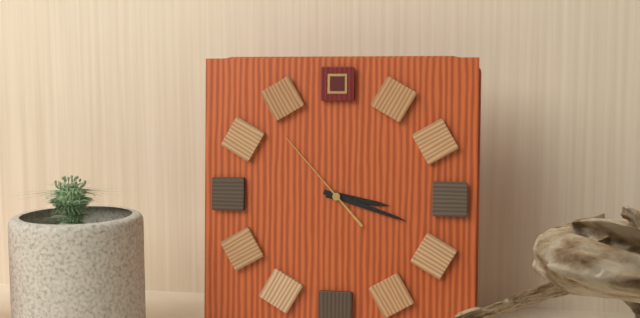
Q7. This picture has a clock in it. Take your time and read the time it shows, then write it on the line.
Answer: 3:18:53
